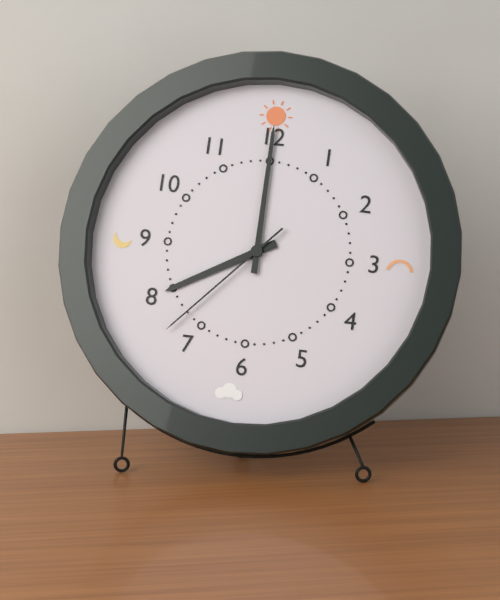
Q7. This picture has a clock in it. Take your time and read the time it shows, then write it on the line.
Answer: 8:00:37
